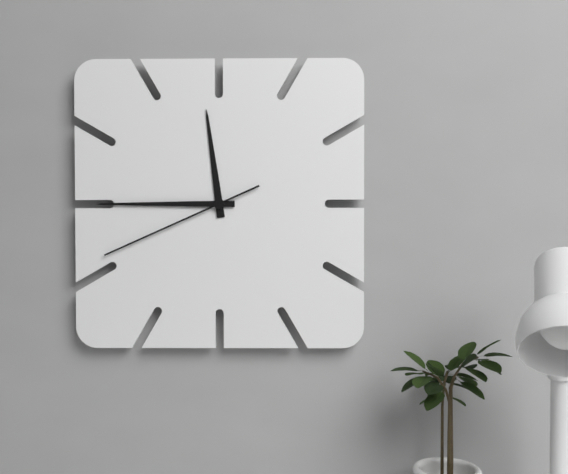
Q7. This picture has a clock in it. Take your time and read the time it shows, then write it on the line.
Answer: 11:45:41
